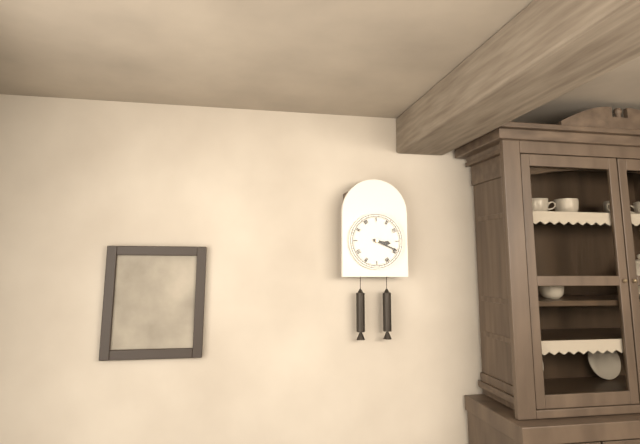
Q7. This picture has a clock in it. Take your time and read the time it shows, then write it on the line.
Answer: 3:19
